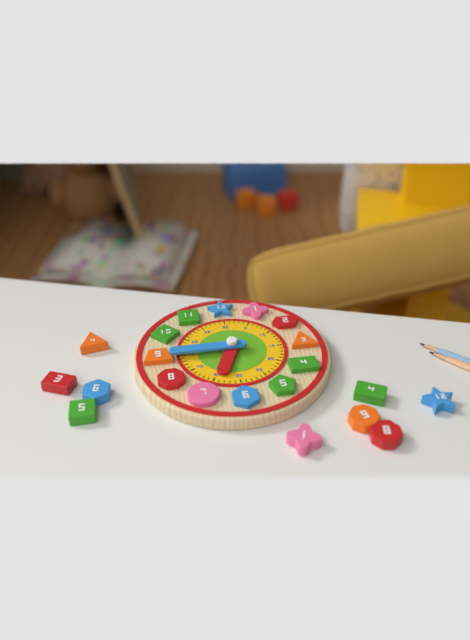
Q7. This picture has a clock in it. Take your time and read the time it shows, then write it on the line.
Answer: 6:45
